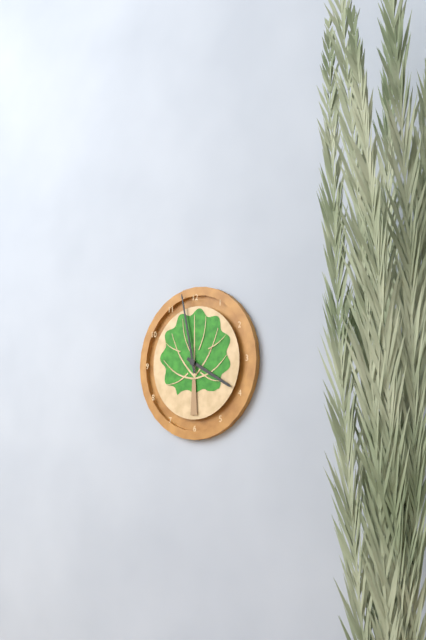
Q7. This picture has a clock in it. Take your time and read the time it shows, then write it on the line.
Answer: 3:58
